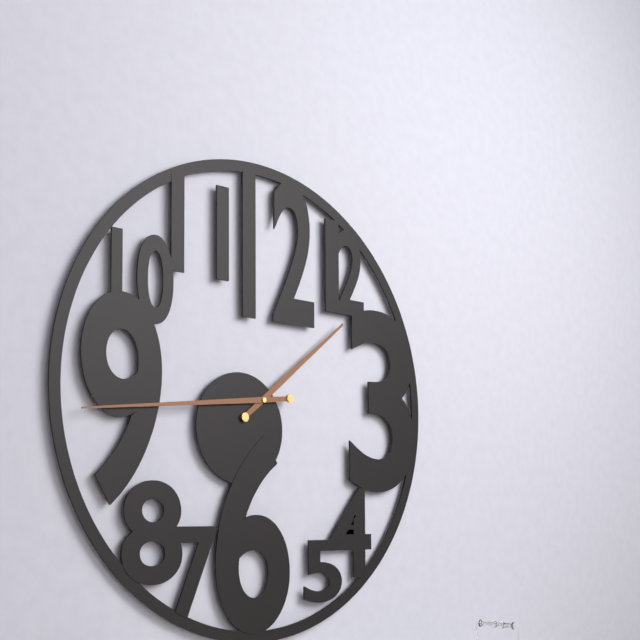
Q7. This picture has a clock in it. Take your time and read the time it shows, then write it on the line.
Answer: 1:44
